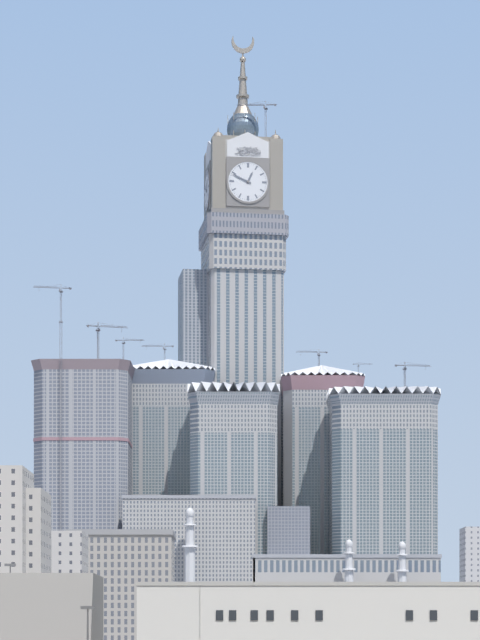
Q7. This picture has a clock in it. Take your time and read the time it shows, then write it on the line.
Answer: 12:49
